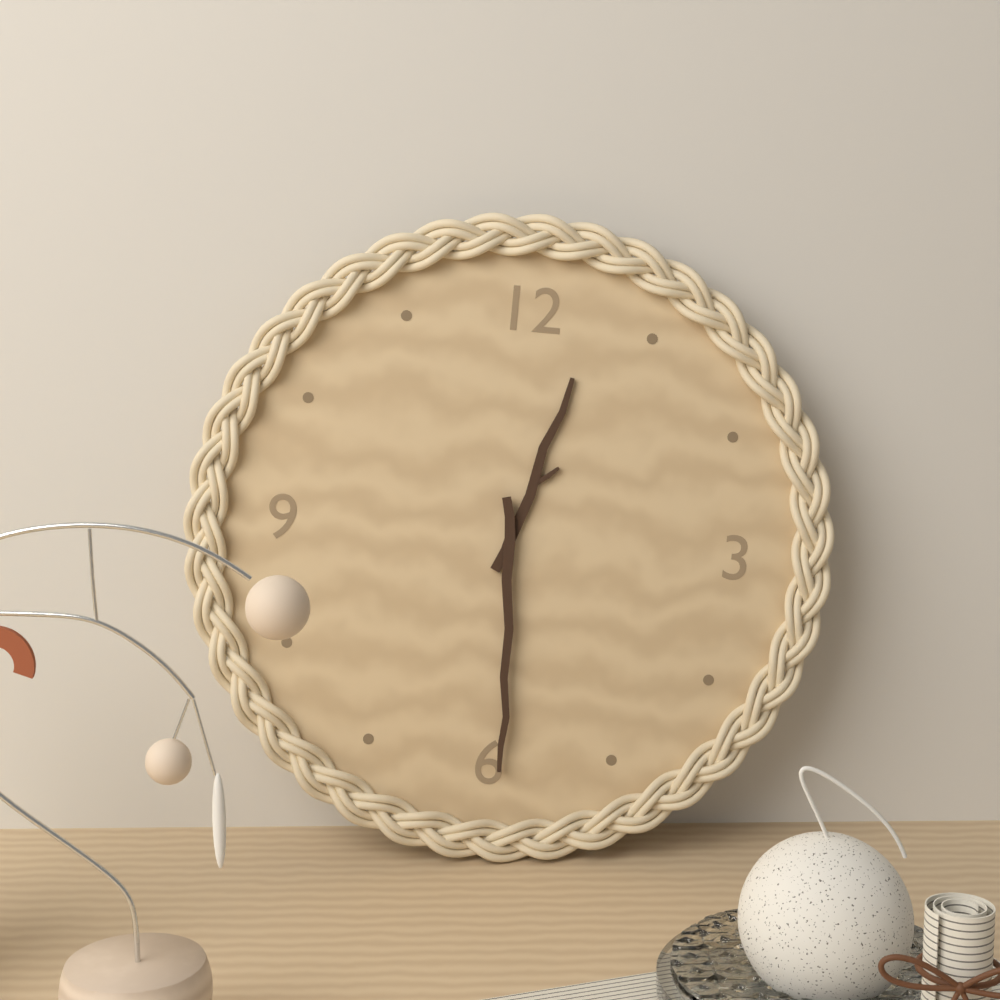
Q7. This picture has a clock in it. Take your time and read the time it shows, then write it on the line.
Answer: 12:29
